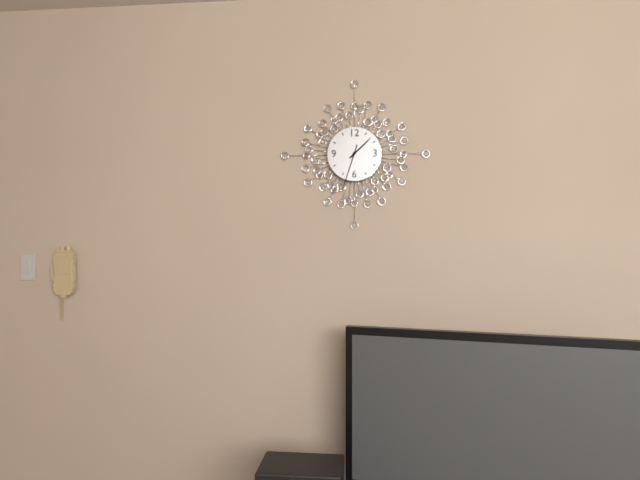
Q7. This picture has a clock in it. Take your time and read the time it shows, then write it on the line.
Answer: 1:33
